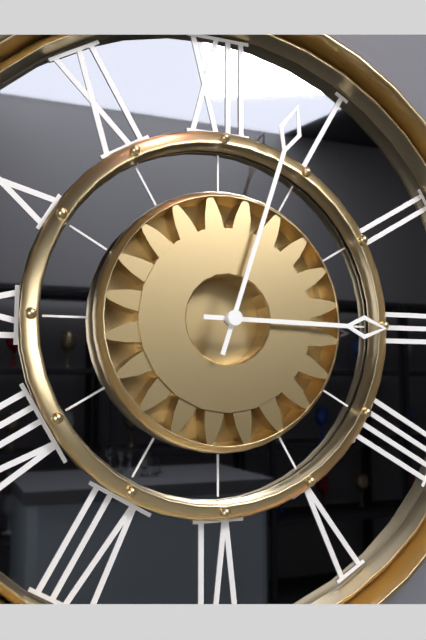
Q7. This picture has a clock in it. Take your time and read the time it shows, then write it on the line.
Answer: 3:03
